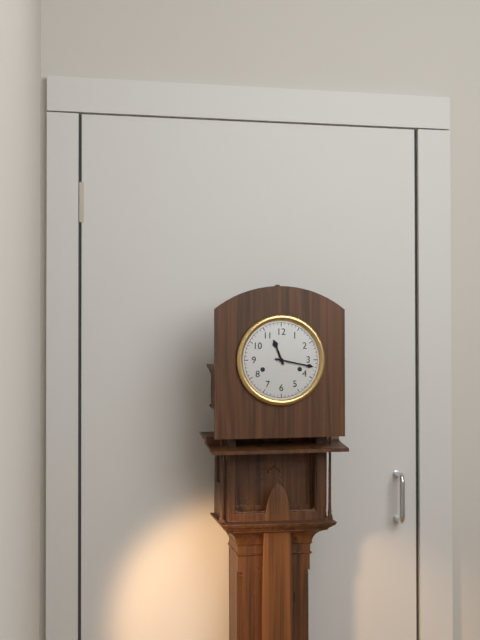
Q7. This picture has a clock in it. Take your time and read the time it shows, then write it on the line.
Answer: 11:17
